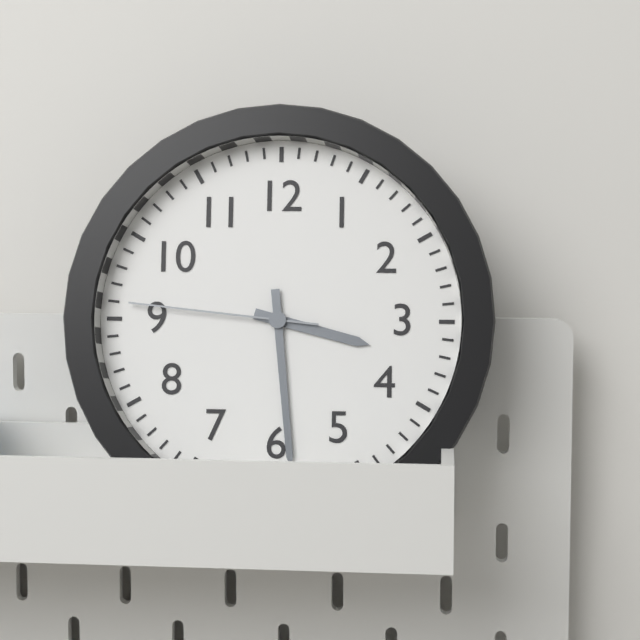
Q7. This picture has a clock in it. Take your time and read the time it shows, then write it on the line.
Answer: 3:29:46
